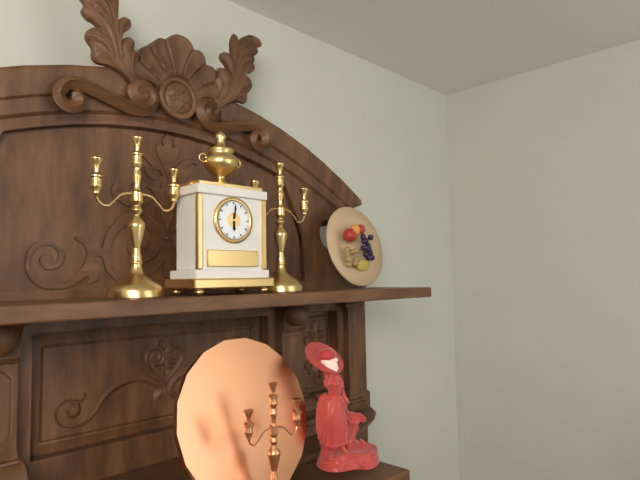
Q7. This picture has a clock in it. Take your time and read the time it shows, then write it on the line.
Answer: 6:01
